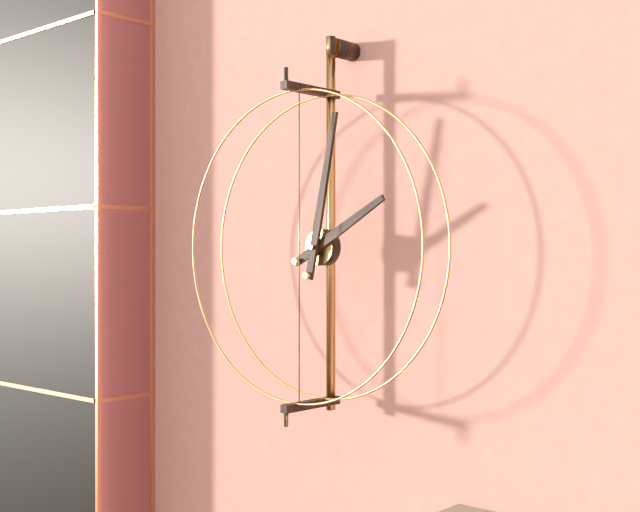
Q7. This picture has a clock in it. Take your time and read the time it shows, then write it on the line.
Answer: 2:02
